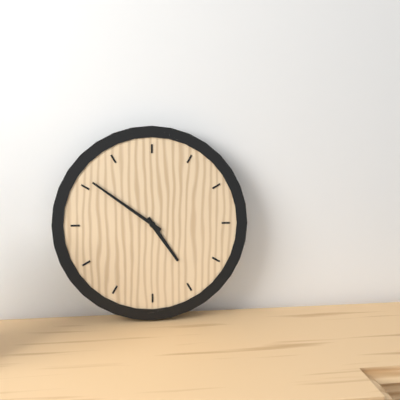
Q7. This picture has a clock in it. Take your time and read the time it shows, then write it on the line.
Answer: 4:51
